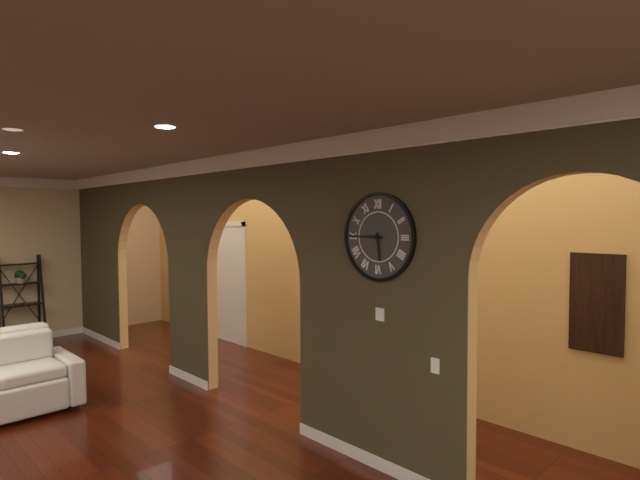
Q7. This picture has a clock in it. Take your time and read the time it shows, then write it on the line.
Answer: 5:45
